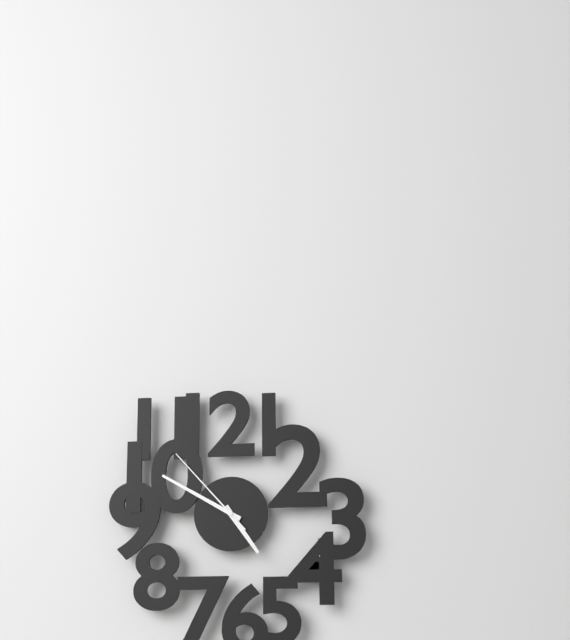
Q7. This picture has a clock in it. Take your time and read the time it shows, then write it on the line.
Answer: 4:50:53
